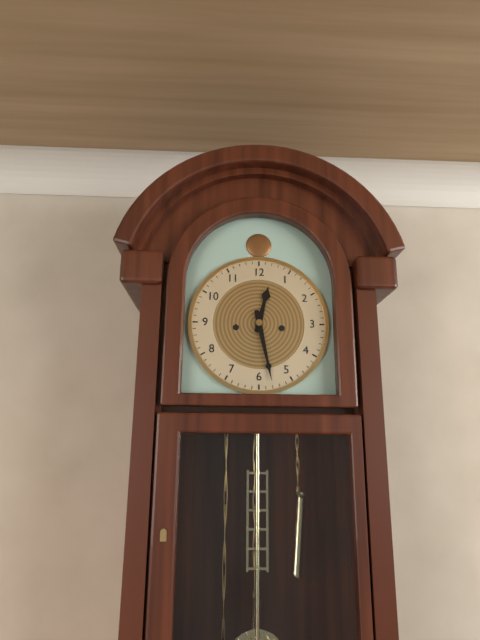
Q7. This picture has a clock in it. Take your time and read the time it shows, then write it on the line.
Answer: 12:28
